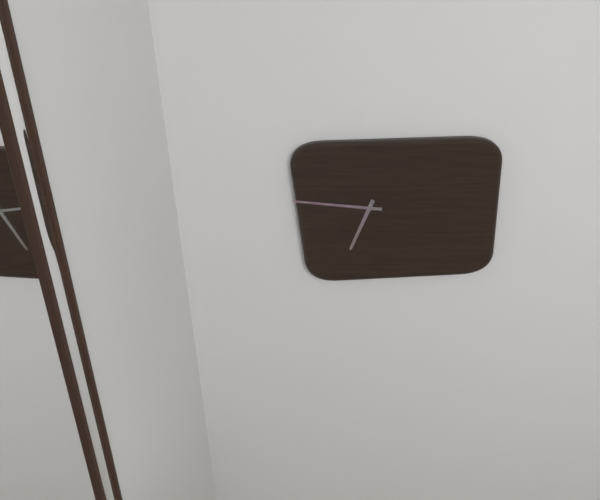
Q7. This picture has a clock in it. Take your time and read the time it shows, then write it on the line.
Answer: 6:46
